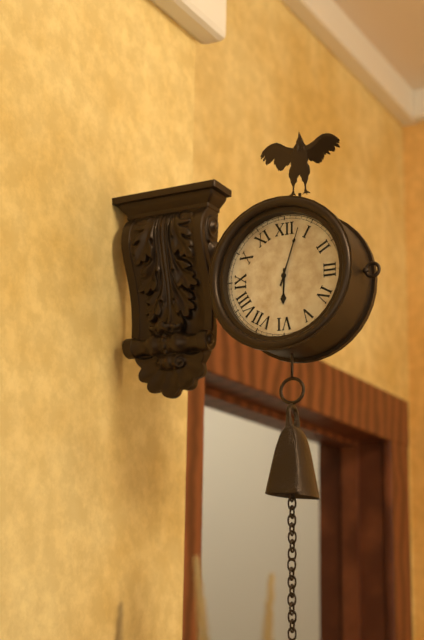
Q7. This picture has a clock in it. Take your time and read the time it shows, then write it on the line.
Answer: 6:03
